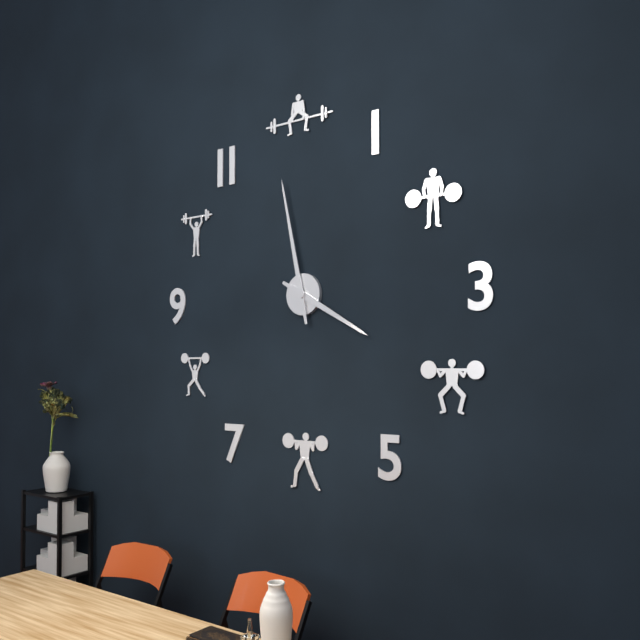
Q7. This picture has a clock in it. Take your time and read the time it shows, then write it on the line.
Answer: 3:58
